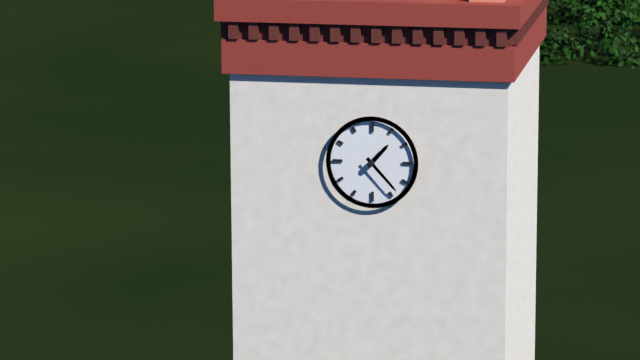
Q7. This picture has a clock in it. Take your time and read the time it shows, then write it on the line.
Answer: 1:23
